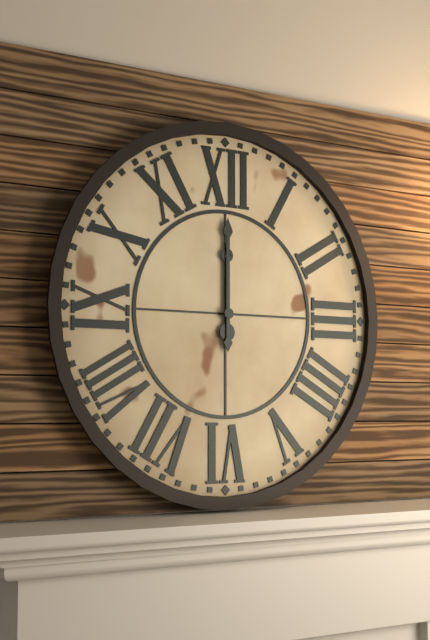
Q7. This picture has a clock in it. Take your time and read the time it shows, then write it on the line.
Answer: 12:00
